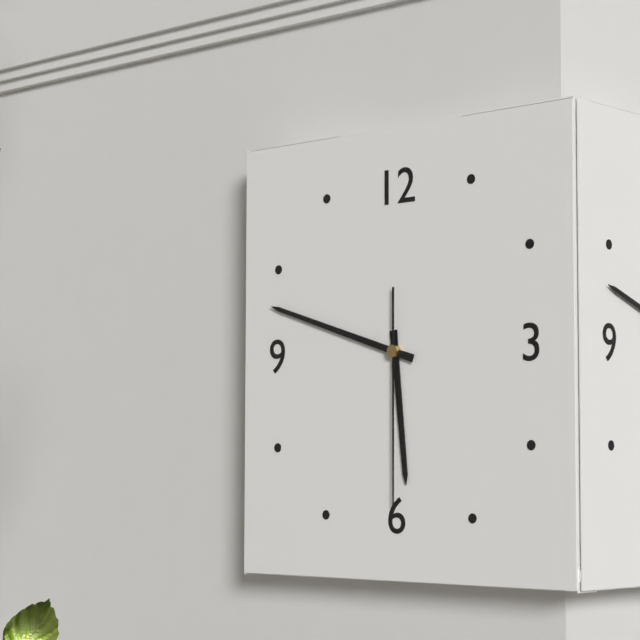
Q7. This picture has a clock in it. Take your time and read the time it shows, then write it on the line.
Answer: 5:48:30
